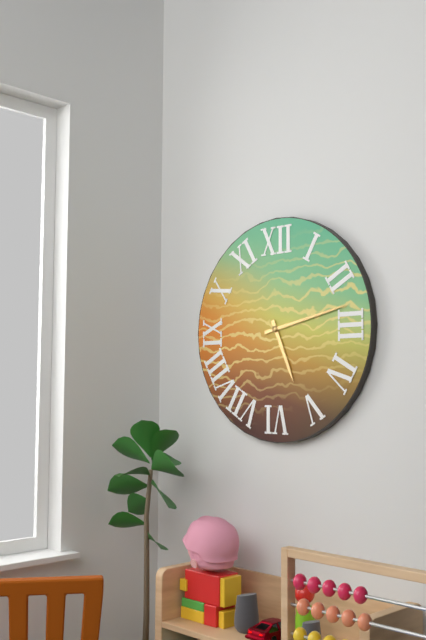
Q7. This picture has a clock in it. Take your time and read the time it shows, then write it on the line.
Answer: 5:13
